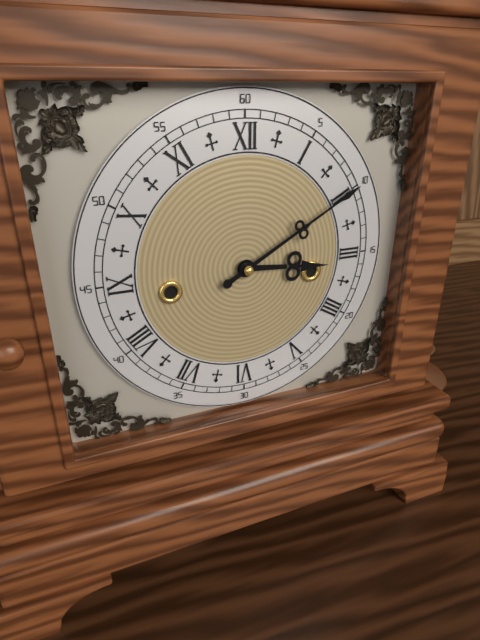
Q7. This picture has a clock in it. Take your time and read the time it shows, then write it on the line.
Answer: 3:10
